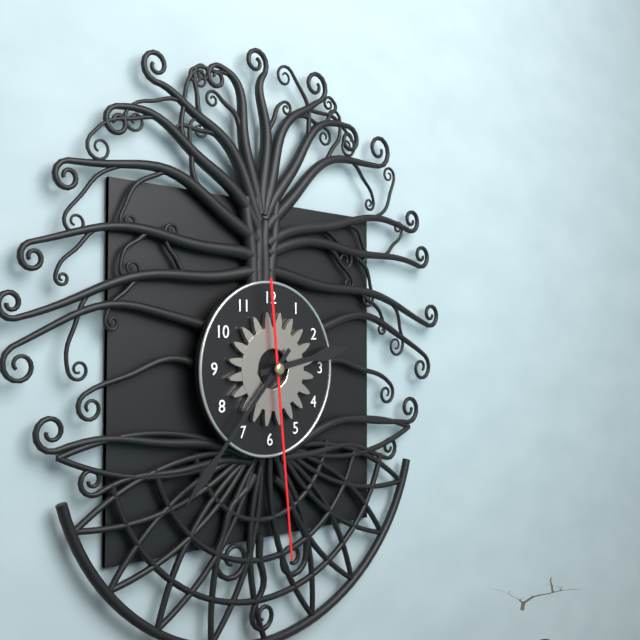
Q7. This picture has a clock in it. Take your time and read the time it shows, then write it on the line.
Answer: 2:37:29
